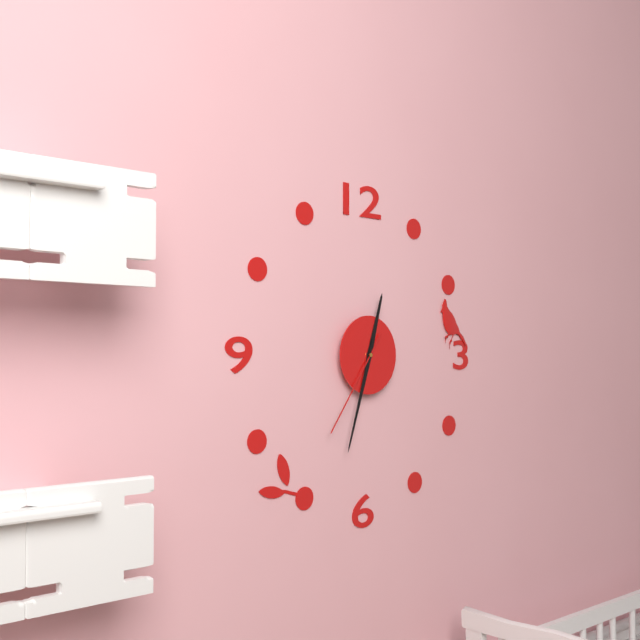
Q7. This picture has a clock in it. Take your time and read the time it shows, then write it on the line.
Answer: 12:33:36
